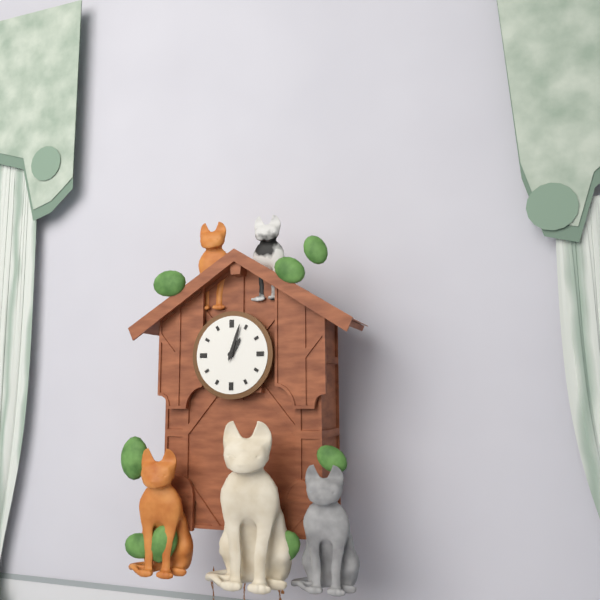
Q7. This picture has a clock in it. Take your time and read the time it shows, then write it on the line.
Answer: 1:03
